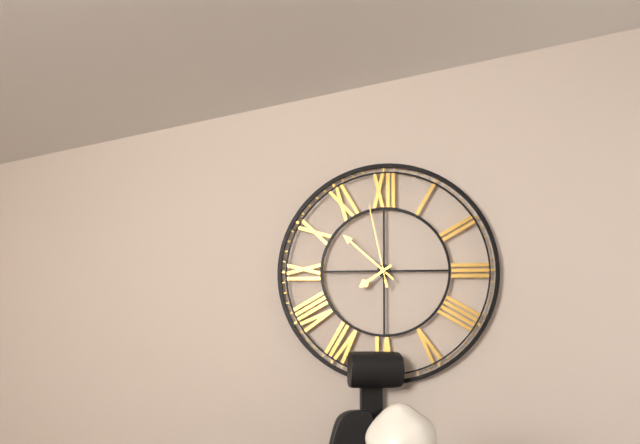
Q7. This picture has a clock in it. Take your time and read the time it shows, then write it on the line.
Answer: 7:52:58
